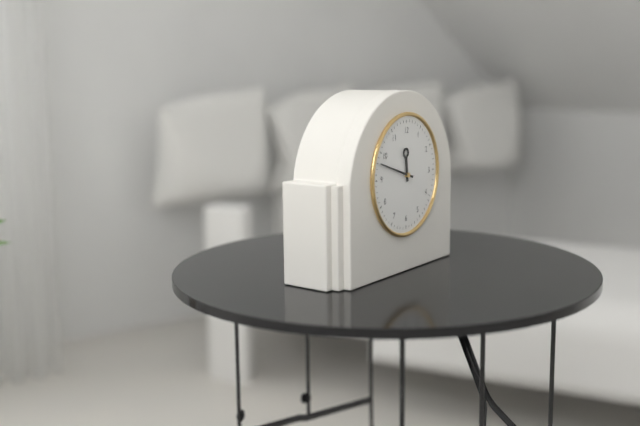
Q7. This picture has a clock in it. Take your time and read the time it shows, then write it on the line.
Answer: 11:48
